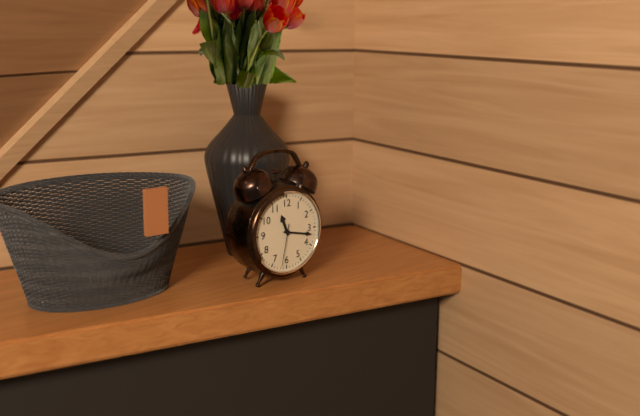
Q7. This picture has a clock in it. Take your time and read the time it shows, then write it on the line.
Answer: 11:17
